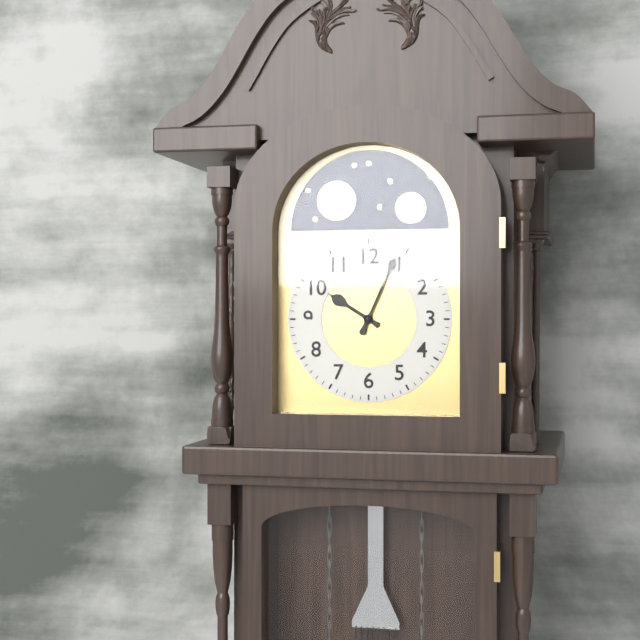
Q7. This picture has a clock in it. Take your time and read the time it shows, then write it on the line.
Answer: 10:04
